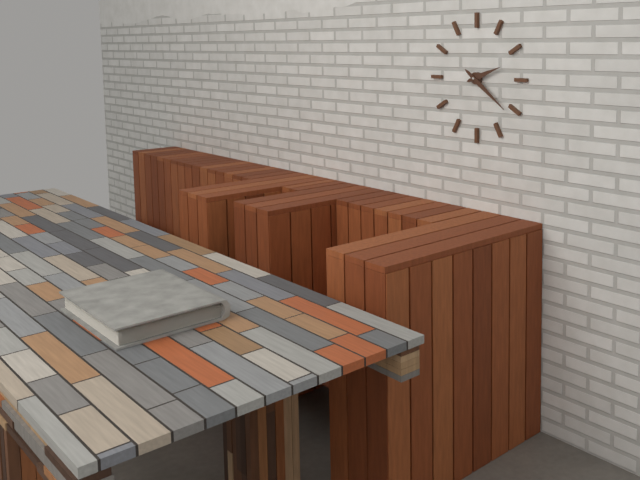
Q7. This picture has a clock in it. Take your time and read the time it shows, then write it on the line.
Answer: 2:21
